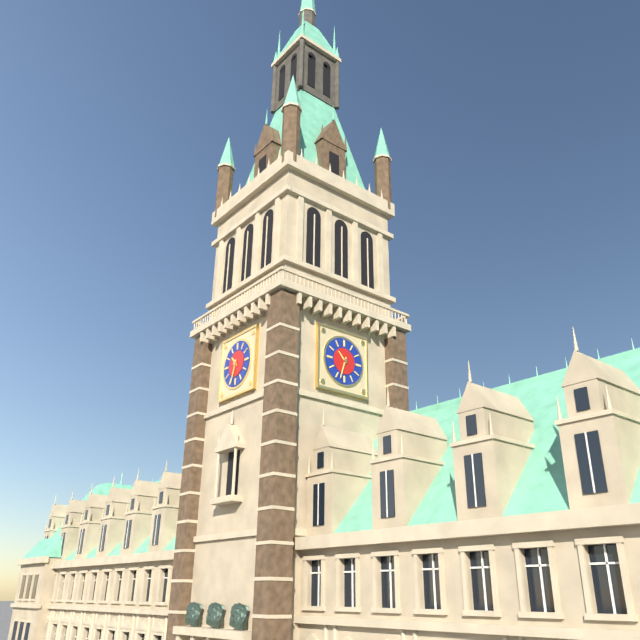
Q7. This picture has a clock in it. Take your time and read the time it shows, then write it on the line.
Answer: 10:33
